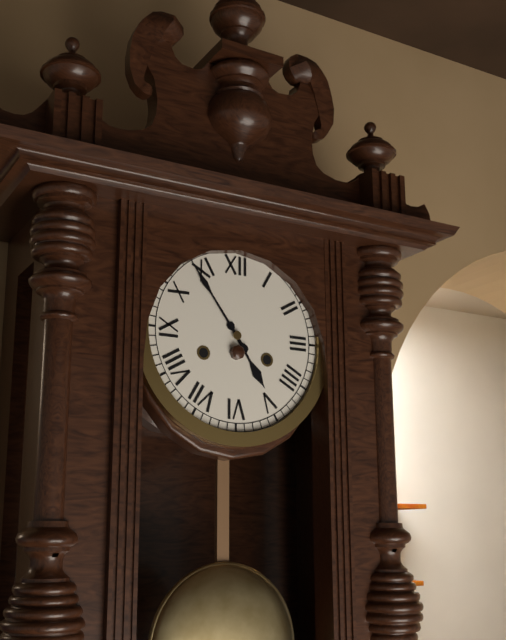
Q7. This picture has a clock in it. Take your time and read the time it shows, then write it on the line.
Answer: 4:54
